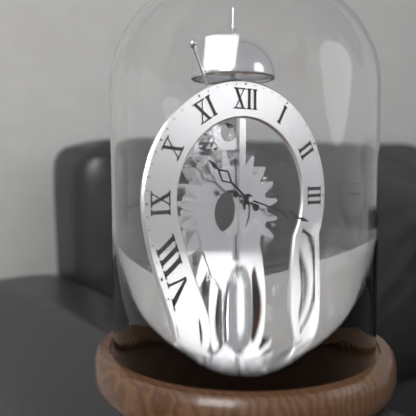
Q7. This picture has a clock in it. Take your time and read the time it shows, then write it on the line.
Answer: 10:18
